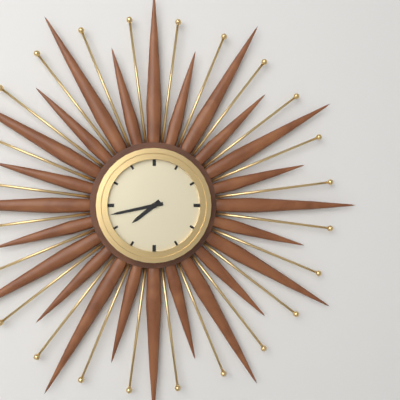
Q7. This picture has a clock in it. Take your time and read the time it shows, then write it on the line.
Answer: 7:43
